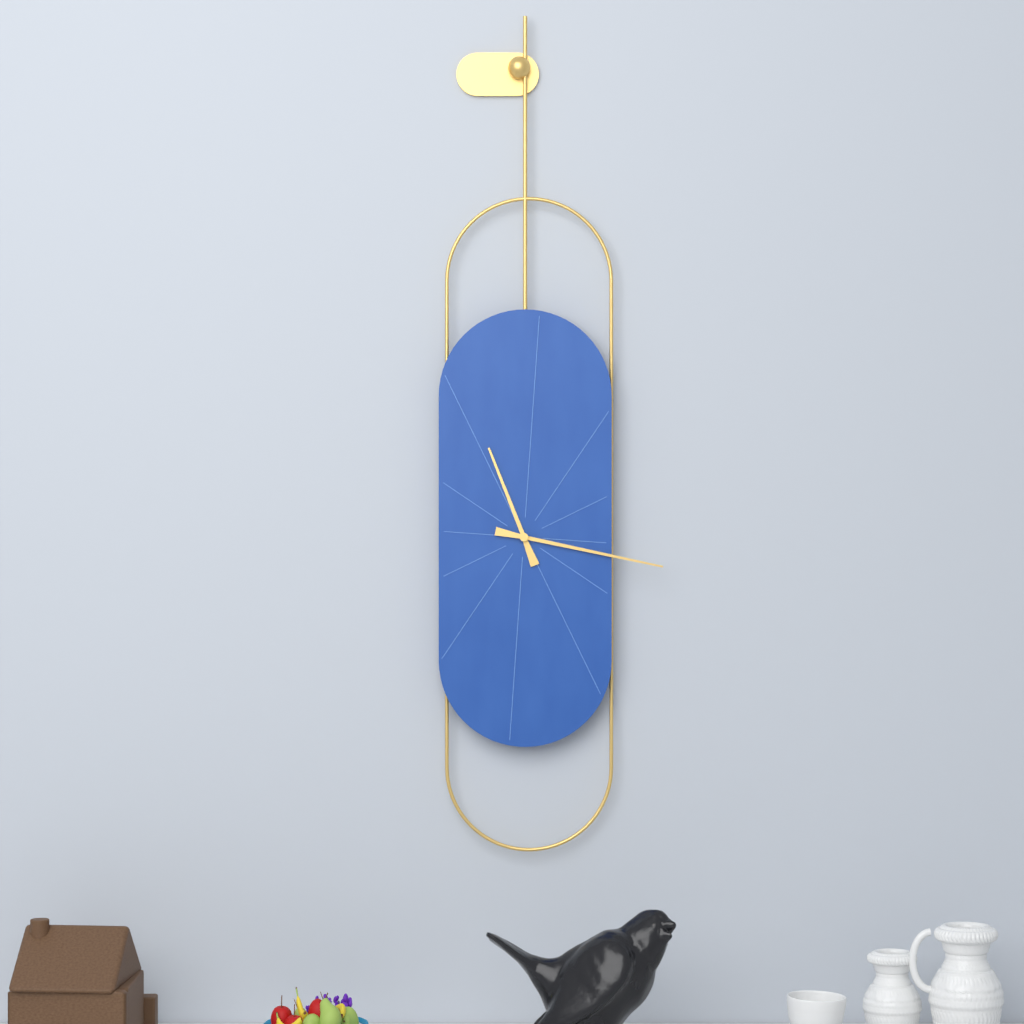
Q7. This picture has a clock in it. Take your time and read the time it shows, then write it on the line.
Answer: 11:17
